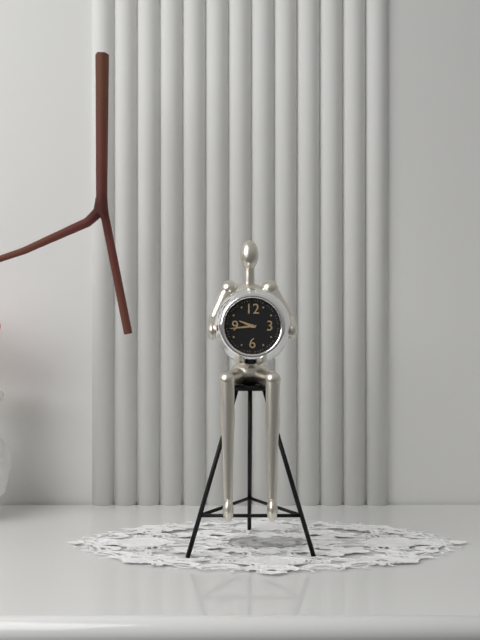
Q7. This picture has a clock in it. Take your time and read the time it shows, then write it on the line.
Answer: 9:44
